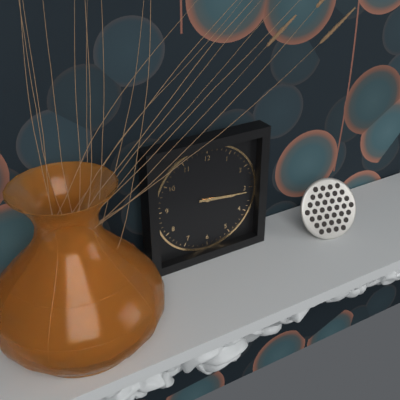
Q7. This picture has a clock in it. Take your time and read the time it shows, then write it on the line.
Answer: 3:16
